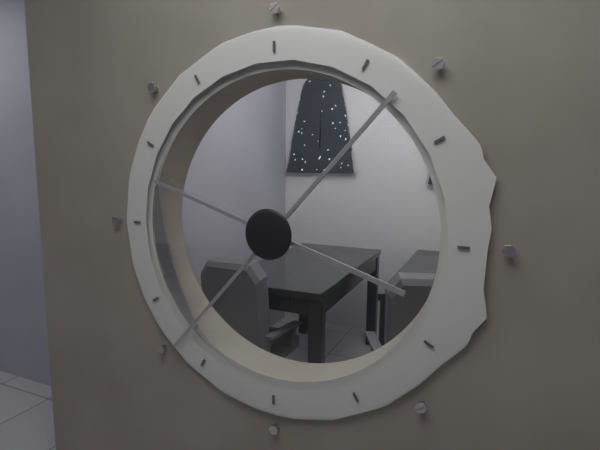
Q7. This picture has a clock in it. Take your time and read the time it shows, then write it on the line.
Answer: 9:37
